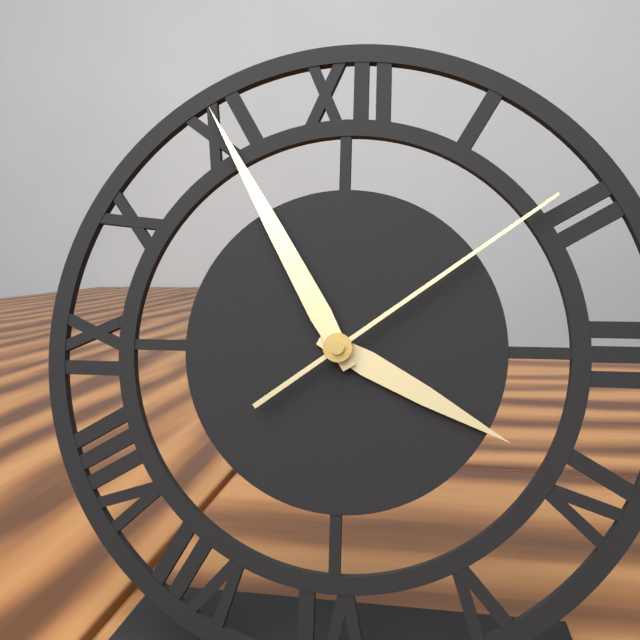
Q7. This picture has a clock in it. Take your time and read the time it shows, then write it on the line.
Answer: 3:55:09
